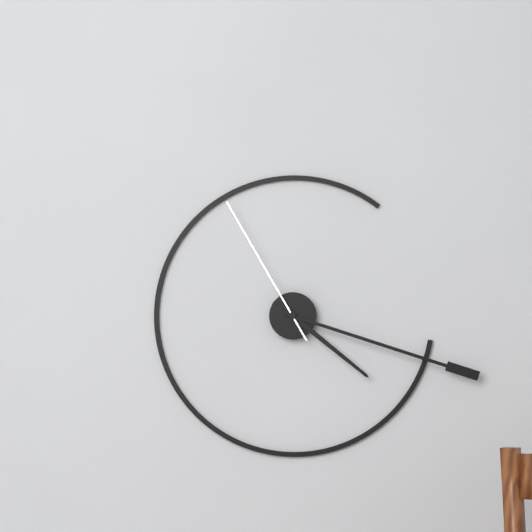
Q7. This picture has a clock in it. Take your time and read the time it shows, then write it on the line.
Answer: 4:18:55
